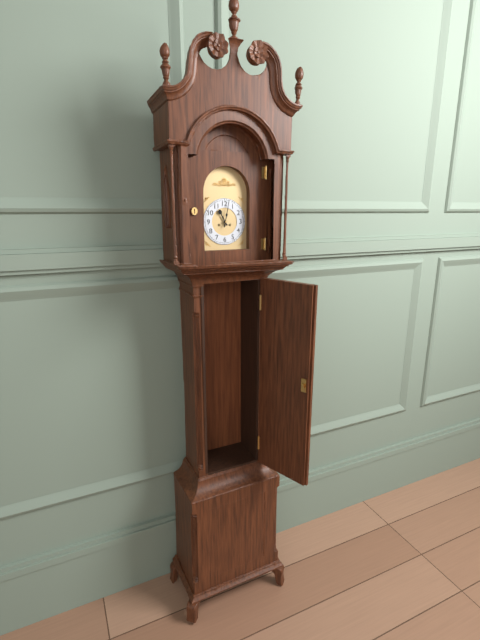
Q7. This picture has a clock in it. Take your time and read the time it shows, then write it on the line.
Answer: 11:02
